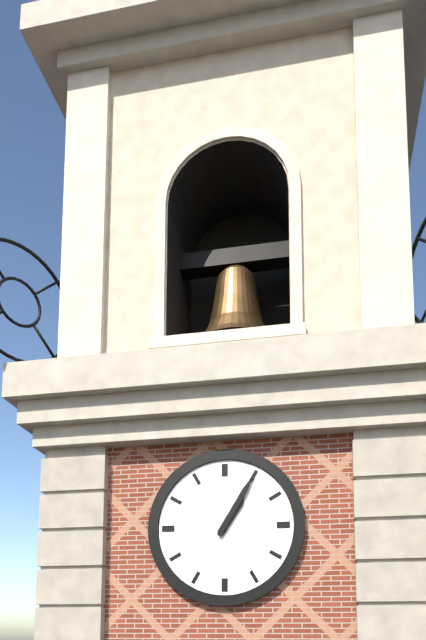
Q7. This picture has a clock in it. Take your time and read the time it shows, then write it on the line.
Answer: 1:05
